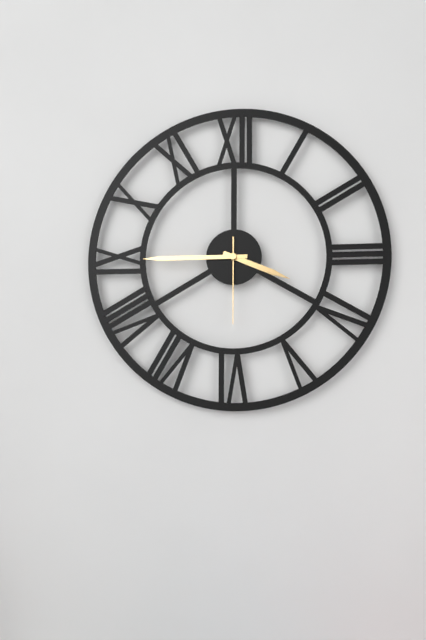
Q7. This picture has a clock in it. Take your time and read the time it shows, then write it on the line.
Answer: 3:45:30
